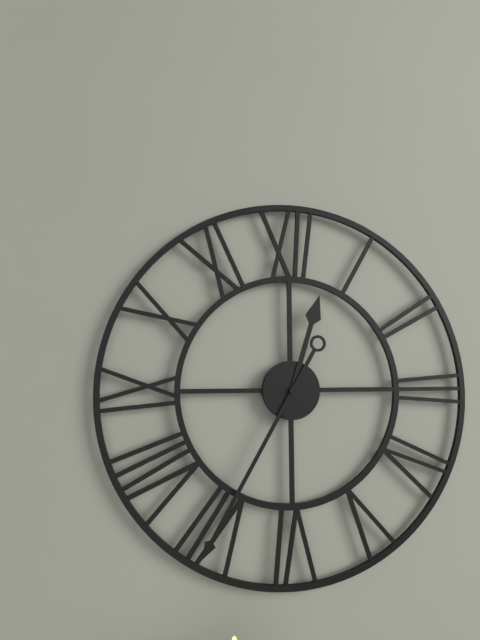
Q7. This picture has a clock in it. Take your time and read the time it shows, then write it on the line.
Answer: 12:35
